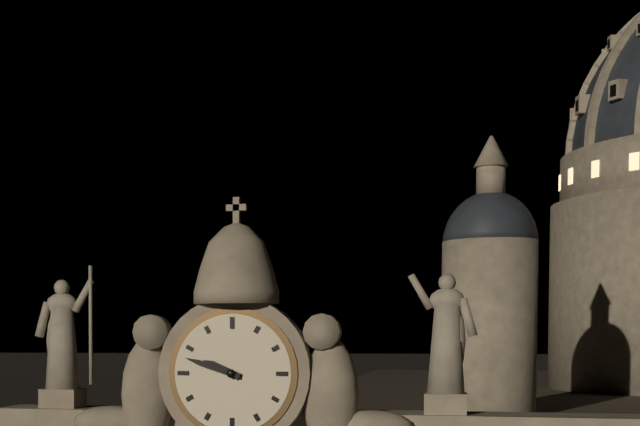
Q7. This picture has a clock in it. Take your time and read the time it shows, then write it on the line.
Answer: 9:48
